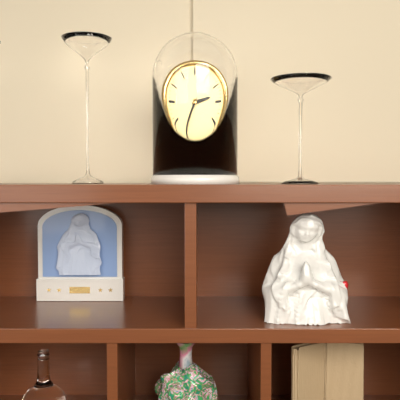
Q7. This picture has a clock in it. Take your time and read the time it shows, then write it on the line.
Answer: 2:35
